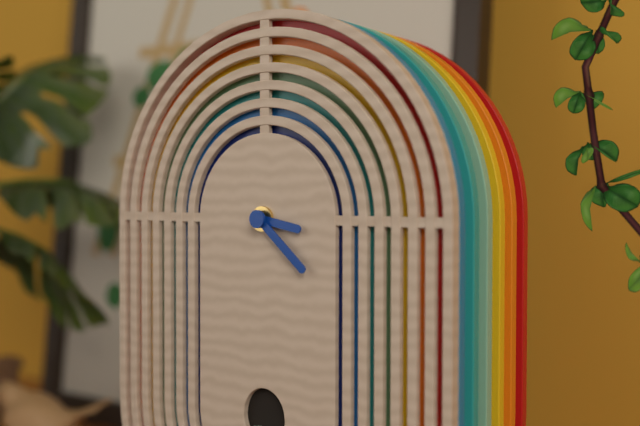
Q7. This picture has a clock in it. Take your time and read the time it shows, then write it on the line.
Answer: 3:22
